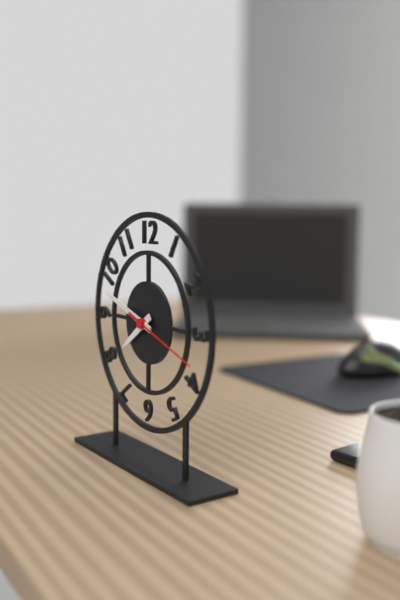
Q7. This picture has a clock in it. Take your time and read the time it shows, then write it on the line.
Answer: 7:48:18
